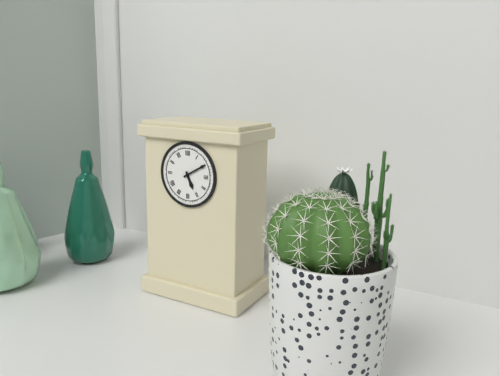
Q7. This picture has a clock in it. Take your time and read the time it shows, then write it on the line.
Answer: 5:10
